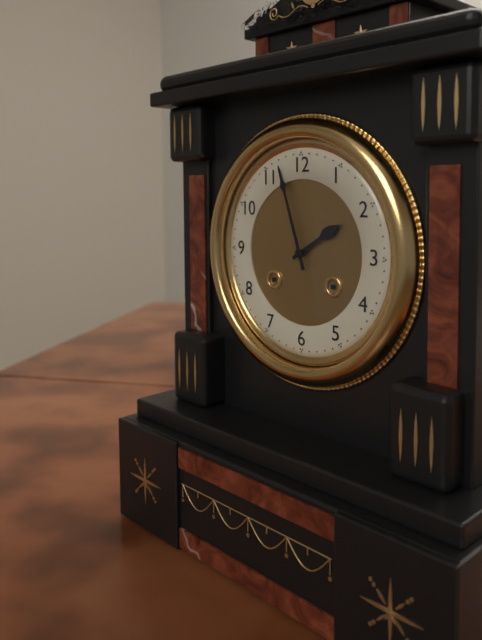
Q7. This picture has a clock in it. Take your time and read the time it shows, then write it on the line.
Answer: 1:57
